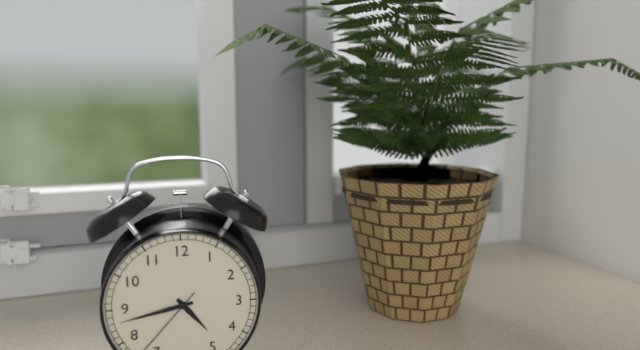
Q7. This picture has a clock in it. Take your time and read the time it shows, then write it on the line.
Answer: 4:43
